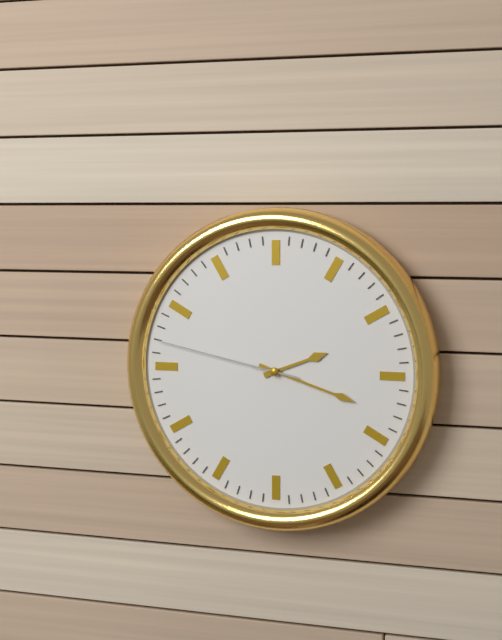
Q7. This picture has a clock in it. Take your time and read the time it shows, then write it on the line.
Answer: 2:18:47
